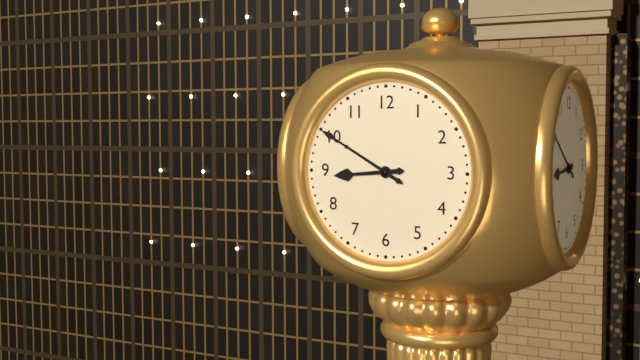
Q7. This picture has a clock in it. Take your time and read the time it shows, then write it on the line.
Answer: 8:50
